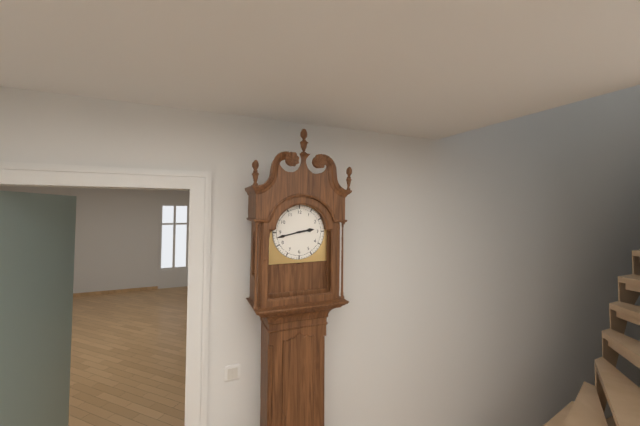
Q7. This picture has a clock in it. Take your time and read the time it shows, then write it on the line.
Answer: 2:43
